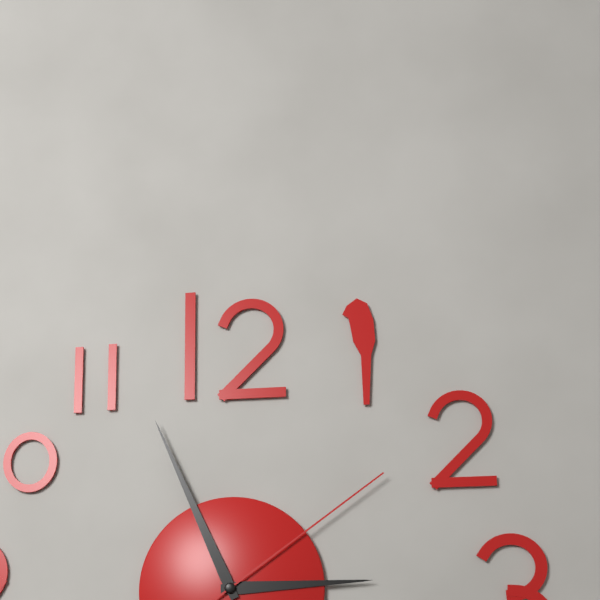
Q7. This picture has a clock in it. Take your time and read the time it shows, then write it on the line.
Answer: 2:56:09
